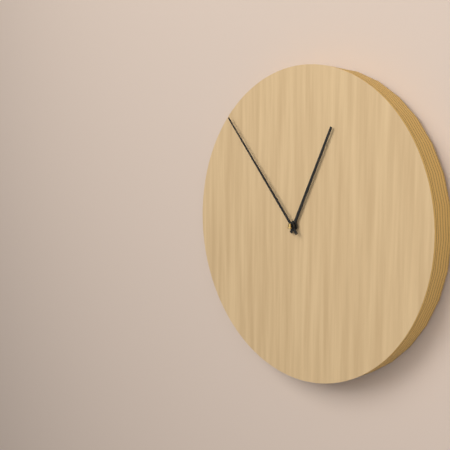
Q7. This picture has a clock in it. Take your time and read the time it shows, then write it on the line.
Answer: 12:53
